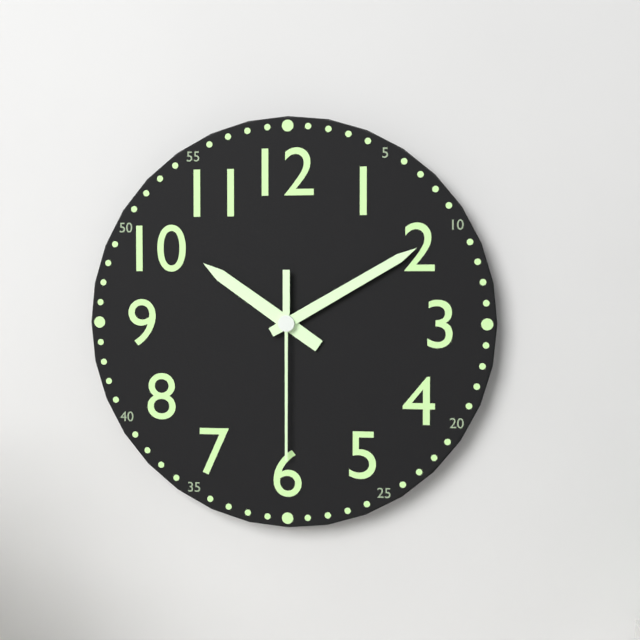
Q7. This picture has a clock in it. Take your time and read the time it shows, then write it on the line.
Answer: 10:10:30
